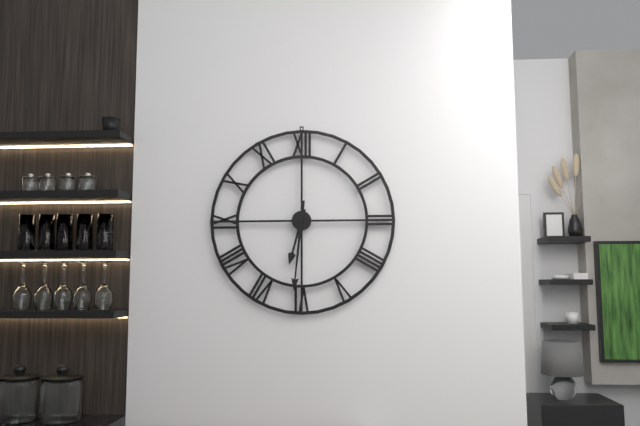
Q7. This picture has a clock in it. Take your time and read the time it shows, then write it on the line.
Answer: 6:31
